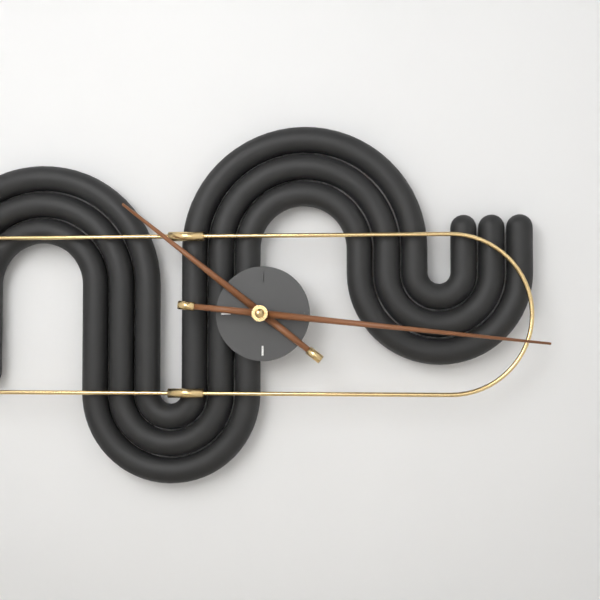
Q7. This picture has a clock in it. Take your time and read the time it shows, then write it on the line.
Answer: 10:16
